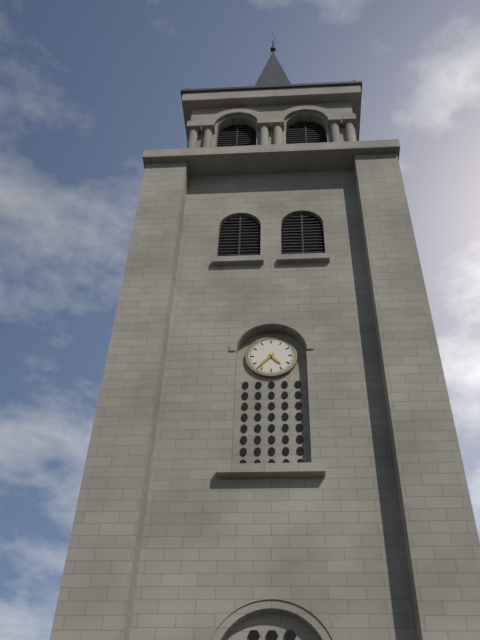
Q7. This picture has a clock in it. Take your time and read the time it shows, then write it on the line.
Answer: 4:37
